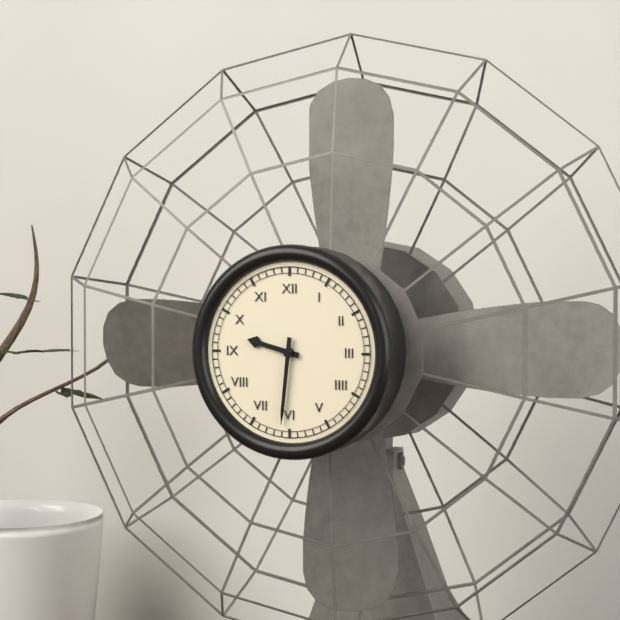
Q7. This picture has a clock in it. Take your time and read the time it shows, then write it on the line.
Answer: 9:31
